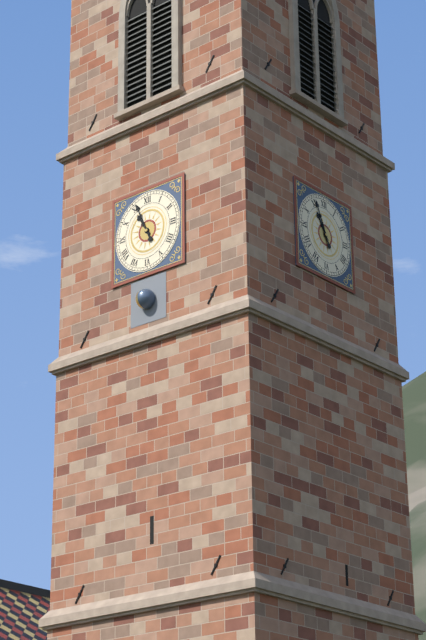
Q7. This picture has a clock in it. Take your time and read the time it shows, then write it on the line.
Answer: 10:56
